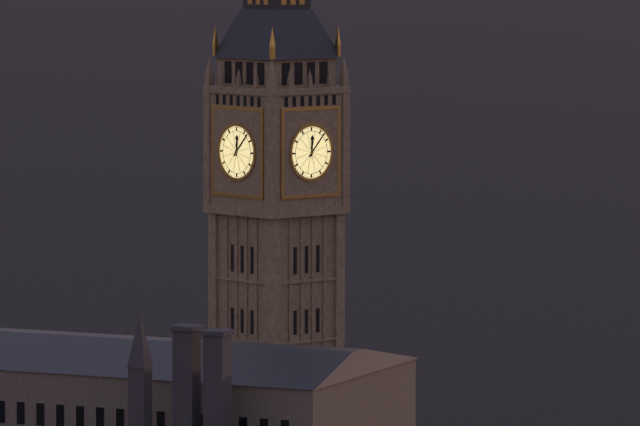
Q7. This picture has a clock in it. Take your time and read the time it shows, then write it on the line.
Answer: 12:07
